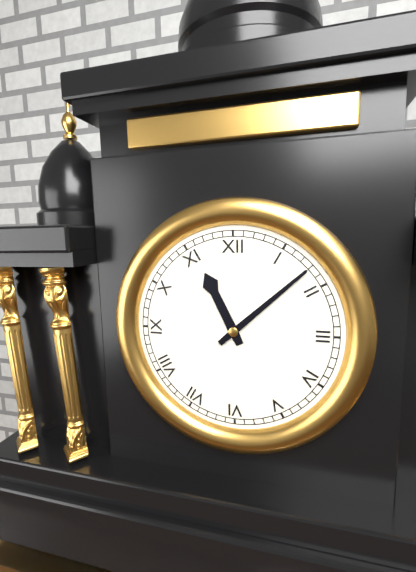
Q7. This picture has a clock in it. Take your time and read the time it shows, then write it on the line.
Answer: 11:08
